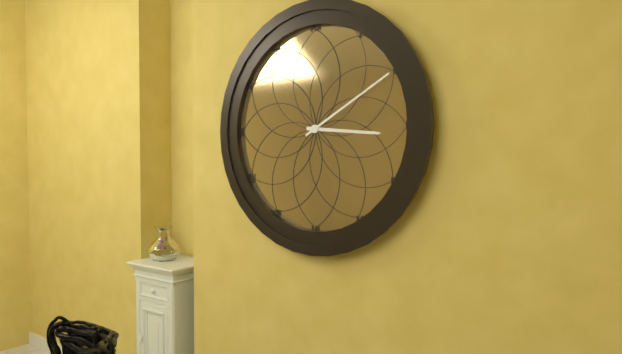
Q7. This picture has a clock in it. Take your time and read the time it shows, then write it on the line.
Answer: 3:10
